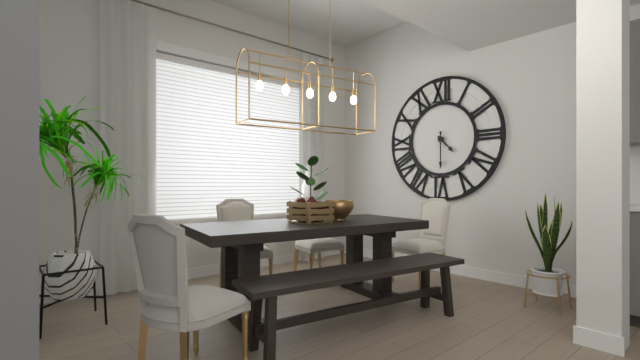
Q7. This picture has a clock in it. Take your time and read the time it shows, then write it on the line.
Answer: 4:30
